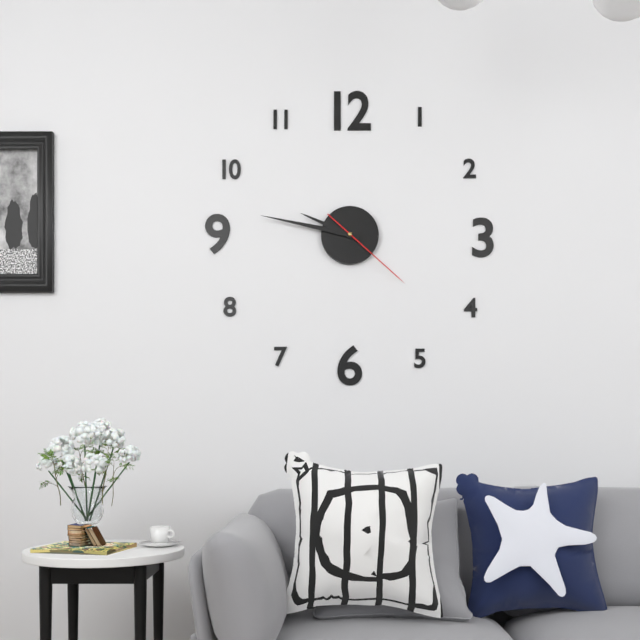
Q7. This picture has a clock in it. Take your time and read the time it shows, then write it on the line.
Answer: 9:47:22
